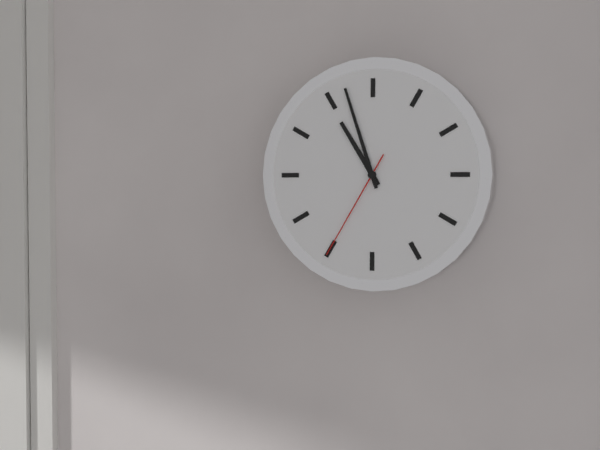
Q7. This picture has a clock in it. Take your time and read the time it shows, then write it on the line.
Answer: 10:57:35
